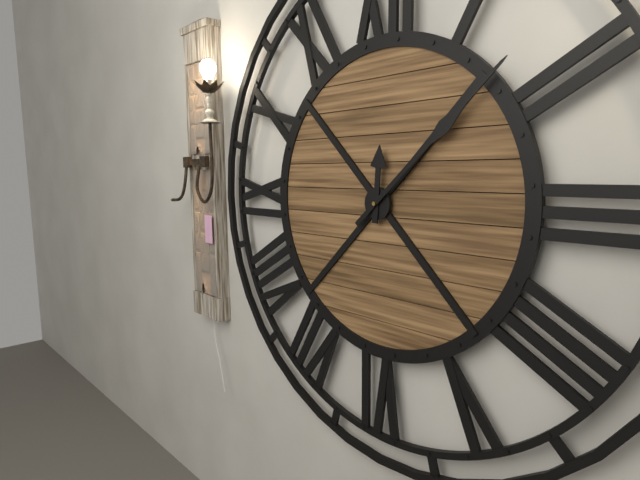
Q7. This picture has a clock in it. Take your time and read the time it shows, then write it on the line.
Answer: 12:08
